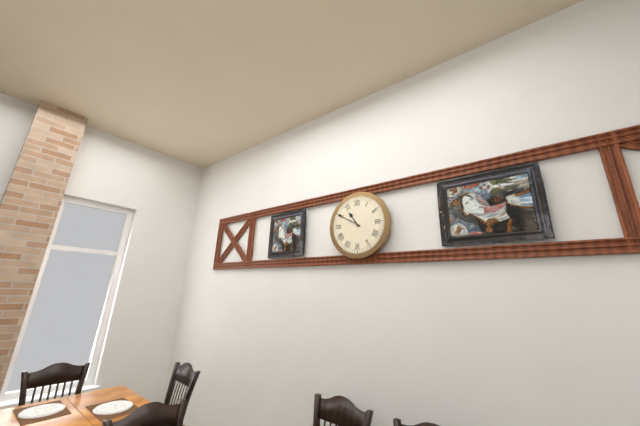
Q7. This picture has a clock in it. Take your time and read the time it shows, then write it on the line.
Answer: 10:50
